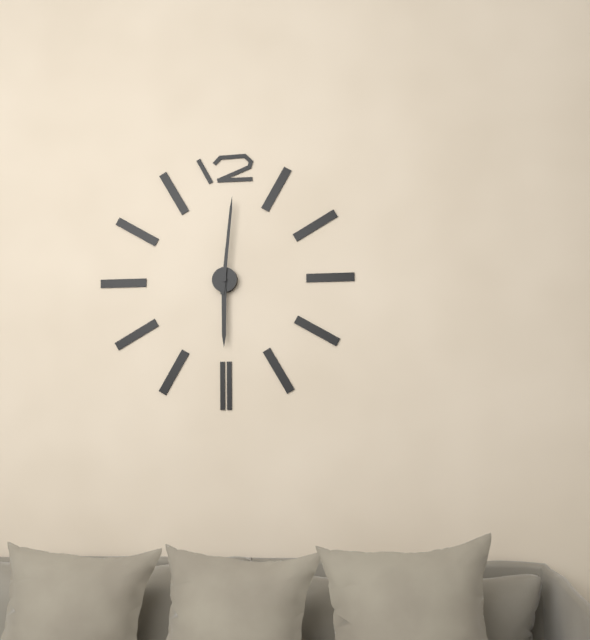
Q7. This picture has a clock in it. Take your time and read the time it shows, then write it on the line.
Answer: 6:01
